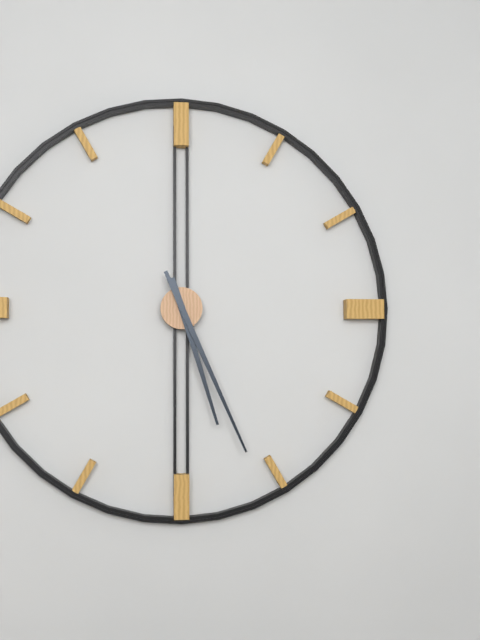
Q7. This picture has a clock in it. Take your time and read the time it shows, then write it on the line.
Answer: 5:26
